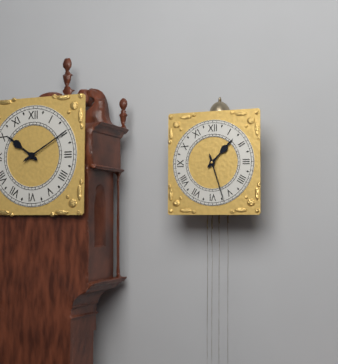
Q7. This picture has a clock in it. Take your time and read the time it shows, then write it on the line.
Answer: 1:27
